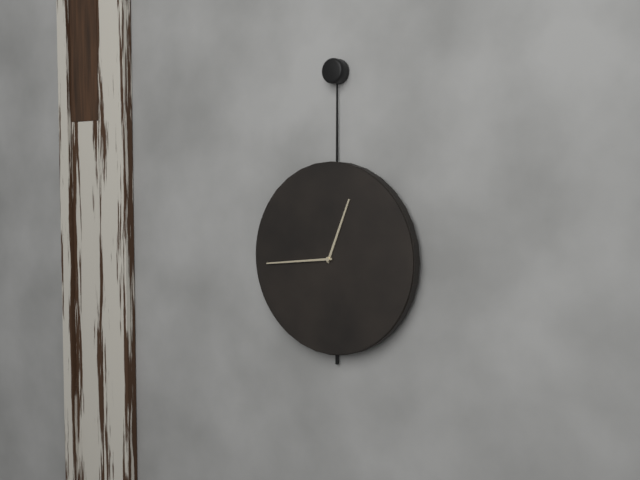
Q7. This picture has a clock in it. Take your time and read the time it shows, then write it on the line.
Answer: 12:44
